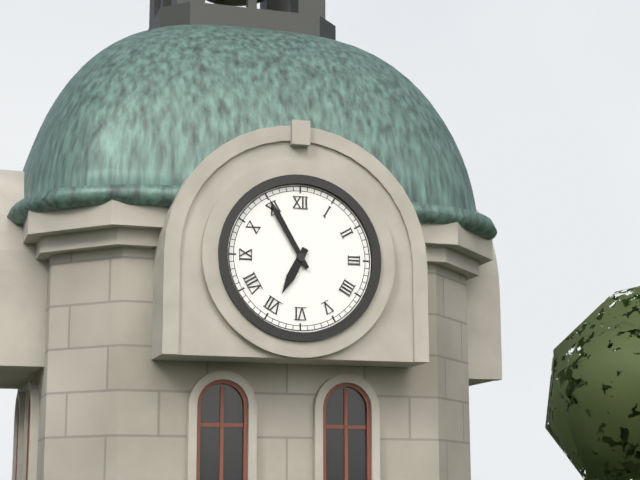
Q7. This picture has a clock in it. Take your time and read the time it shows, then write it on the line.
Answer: 6:55
